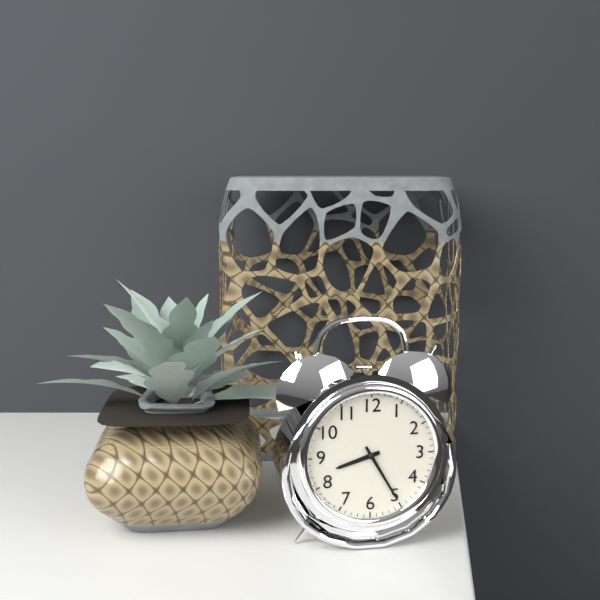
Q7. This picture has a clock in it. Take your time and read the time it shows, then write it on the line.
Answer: 8:25
